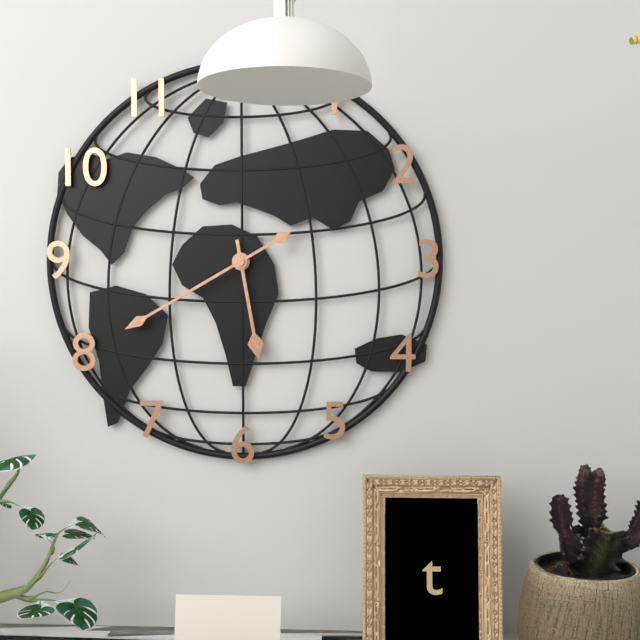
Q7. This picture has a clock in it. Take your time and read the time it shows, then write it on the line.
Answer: 5:40
